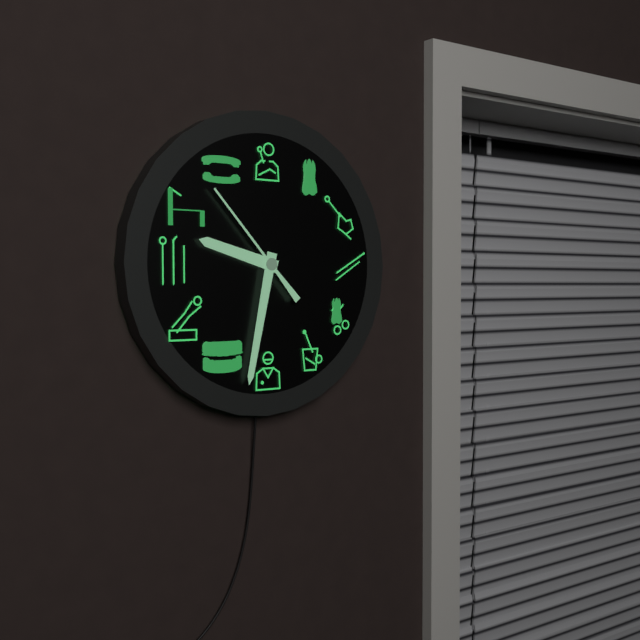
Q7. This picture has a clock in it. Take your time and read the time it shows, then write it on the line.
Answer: 9:32:53
